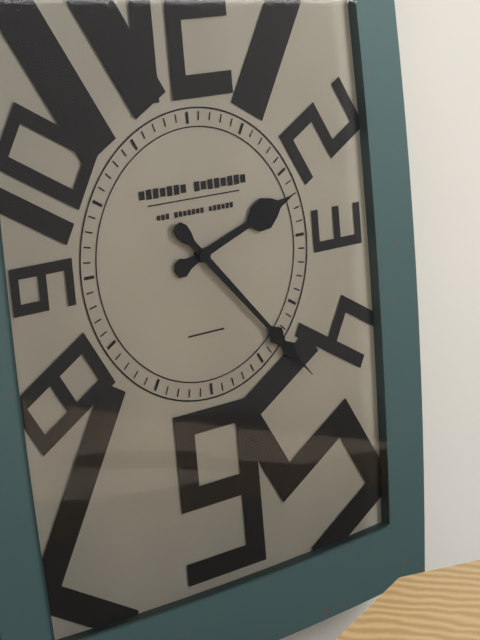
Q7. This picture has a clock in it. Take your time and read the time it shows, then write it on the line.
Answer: 2:23
